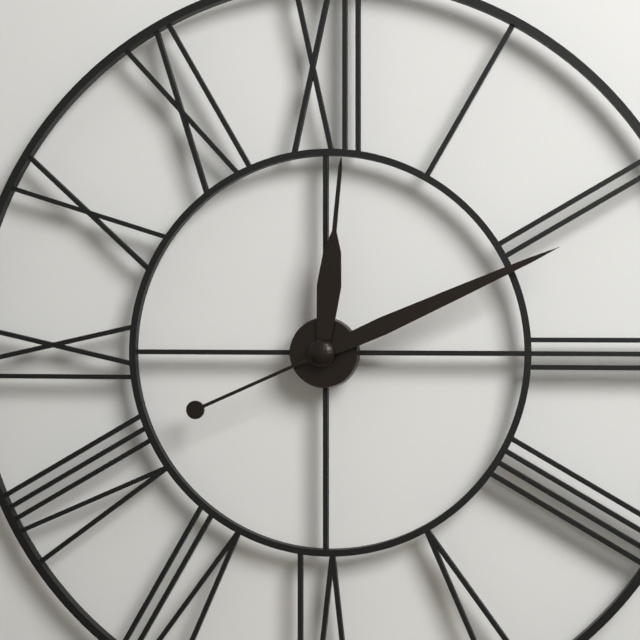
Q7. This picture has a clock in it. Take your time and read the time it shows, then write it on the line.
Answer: 12:11
